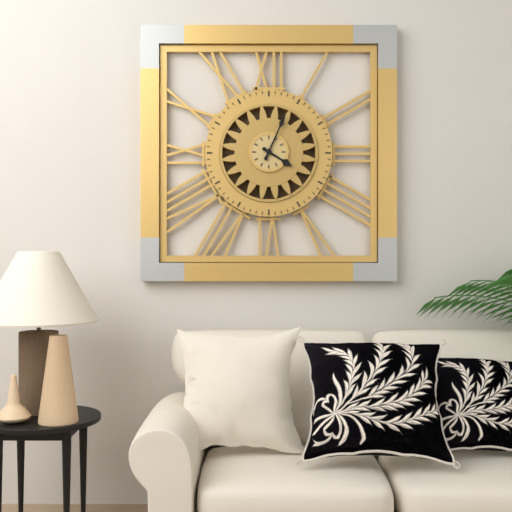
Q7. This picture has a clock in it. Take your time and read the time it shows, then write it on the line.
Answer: 4:04
